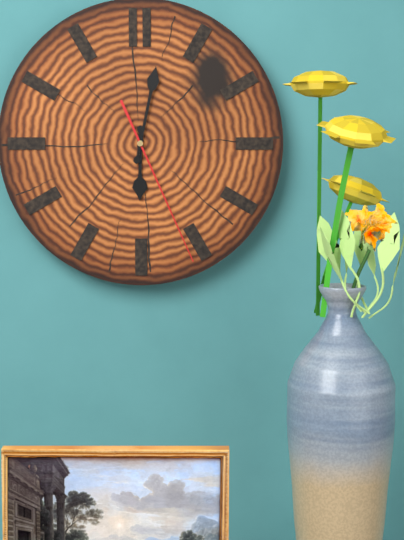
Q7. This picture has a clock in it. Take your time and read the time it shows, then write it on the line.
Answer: 6:02:26
